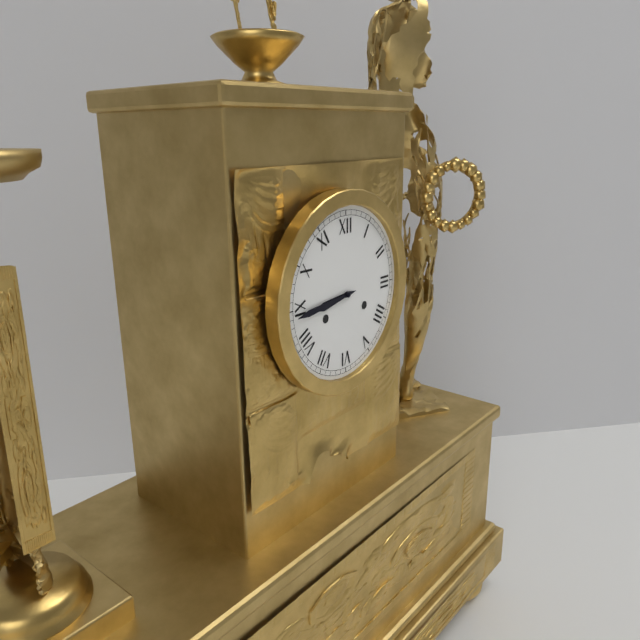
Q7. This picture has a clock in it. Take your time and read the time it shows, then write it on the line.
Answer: 8:44
